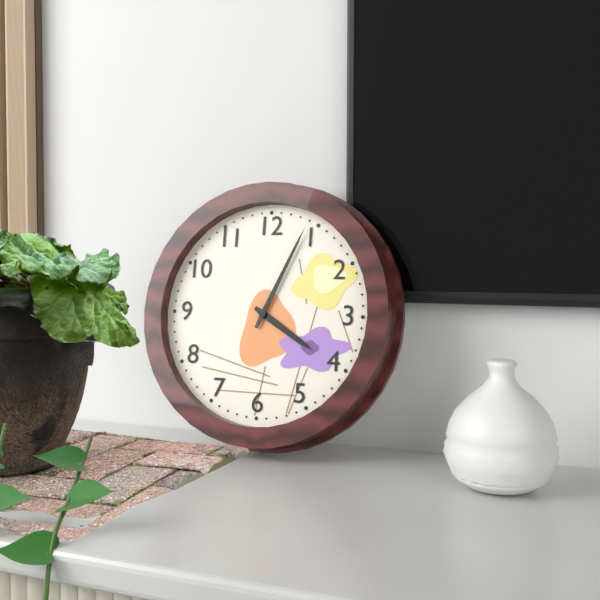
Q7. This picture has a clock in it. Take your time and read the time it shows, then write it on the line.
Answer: 4:04
